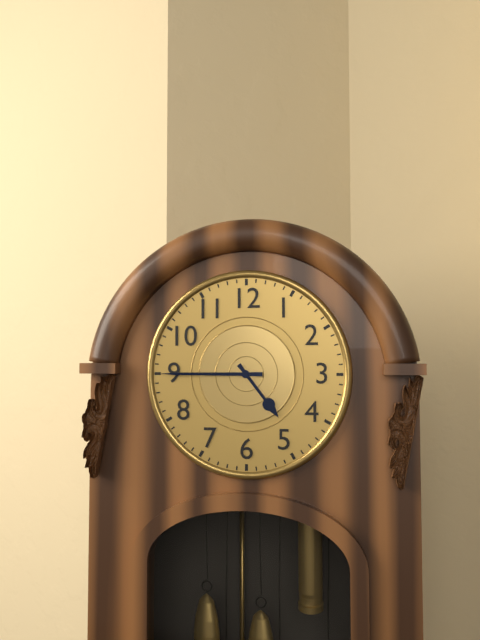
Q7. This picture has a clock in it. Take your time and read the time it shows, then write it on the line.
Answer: 4:45
